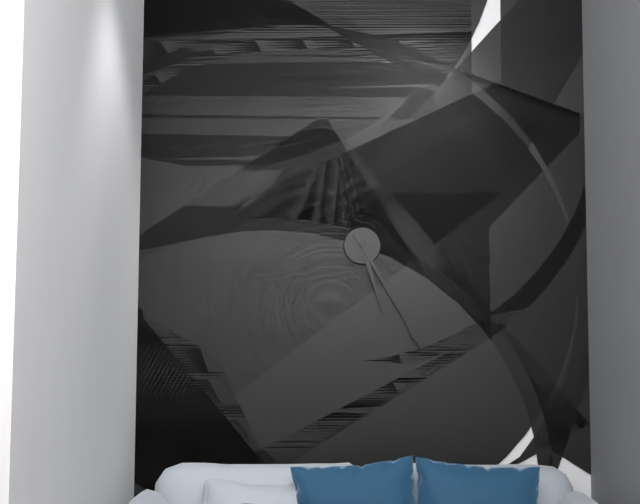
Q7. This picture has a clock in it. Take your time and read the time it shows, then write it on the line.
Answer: 5:25
